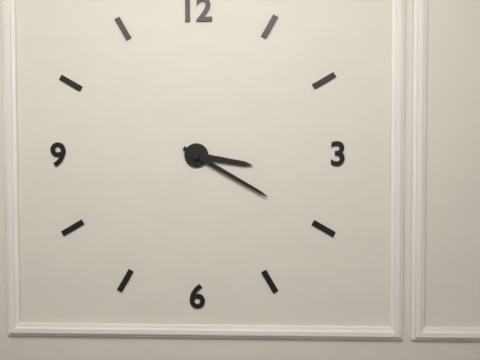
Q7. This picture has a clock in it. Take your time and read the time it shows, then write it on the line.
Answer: 3:20
